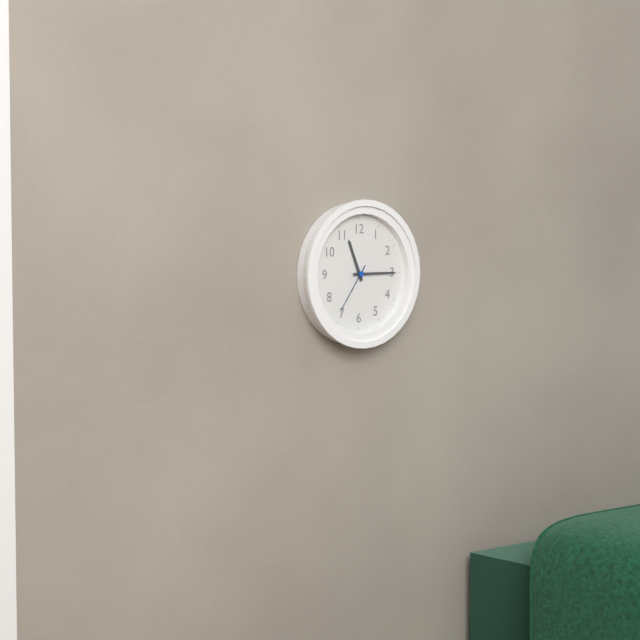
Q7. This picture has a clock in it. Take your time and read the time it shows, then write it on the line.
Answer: 11:15:36
